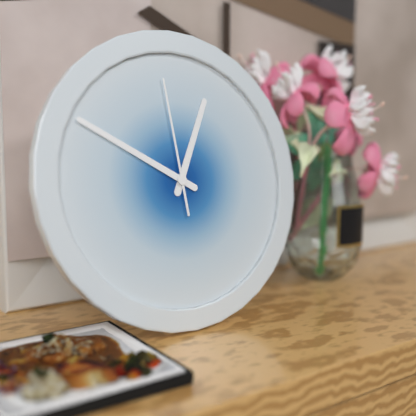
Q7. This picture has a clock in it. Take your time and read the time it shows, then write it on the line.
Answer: 12:50:59
